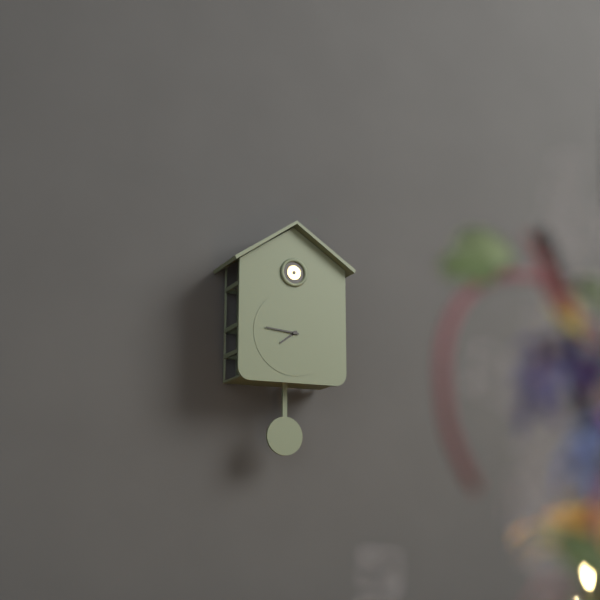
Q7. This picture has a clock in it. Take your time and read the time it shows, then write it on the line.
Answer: 7:46
